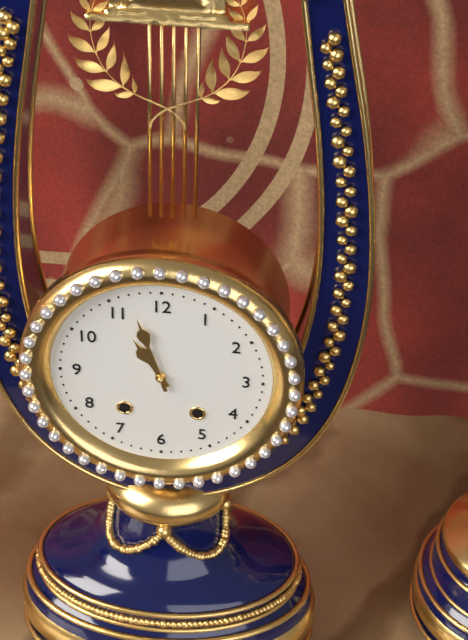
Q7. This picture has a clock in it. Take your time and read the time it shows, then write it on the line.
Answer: 10:57
